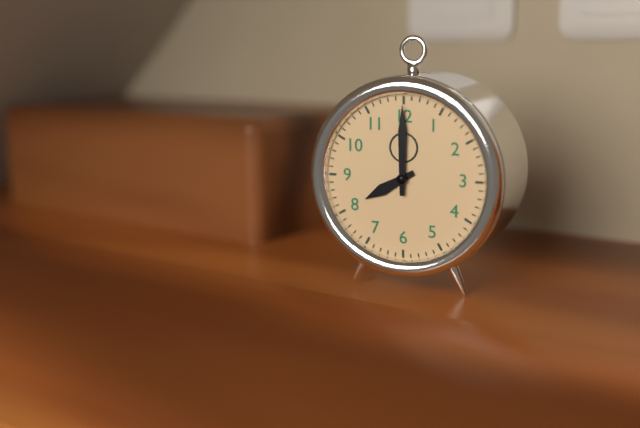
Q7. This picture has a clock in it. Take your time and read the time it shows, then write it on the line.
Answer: 8:00
